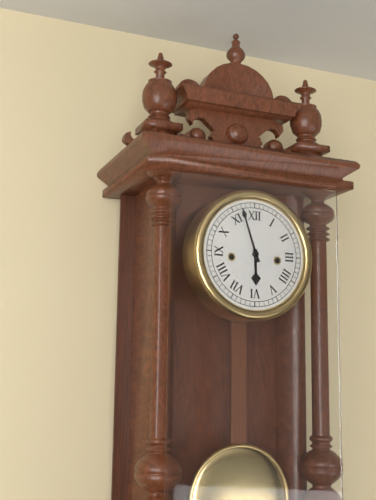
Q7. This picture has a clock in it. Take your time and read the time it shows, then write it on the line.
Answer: 5:57
